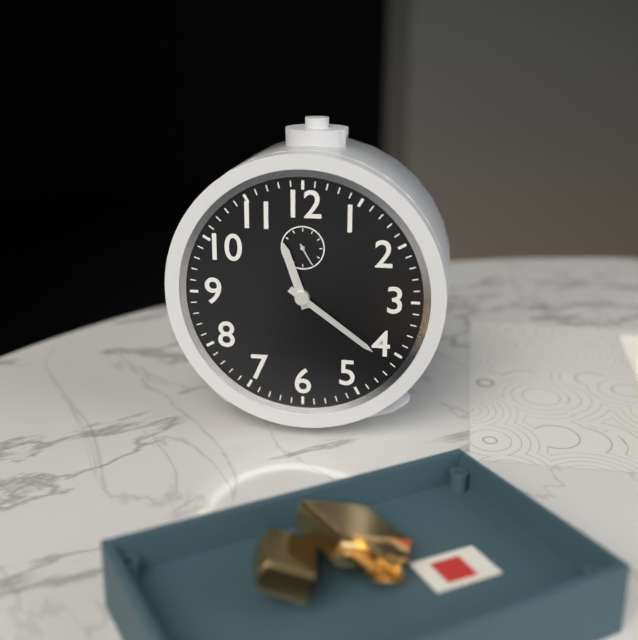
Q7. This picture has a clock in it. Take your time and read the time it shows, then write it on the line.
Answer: 11:21
